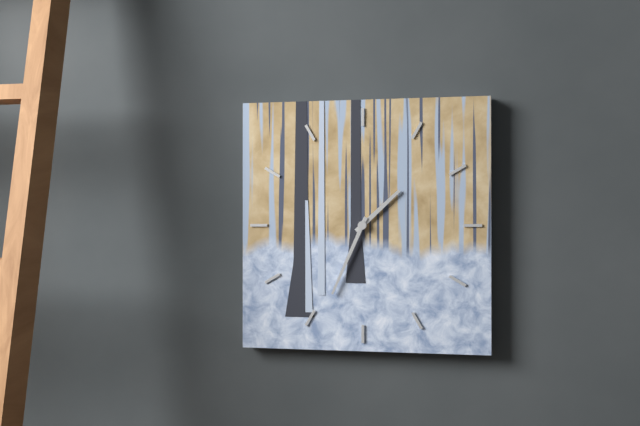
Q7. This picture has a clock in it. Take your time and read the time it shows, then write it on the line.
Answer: 1:34
